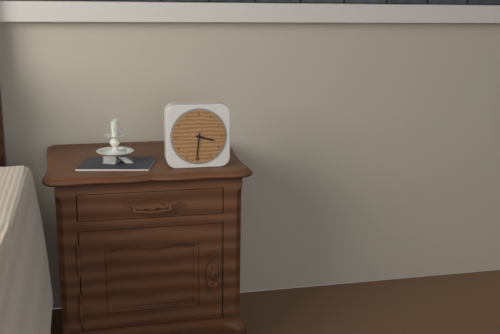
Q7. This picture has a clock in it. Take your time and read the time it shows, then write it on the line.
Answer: 3:31
